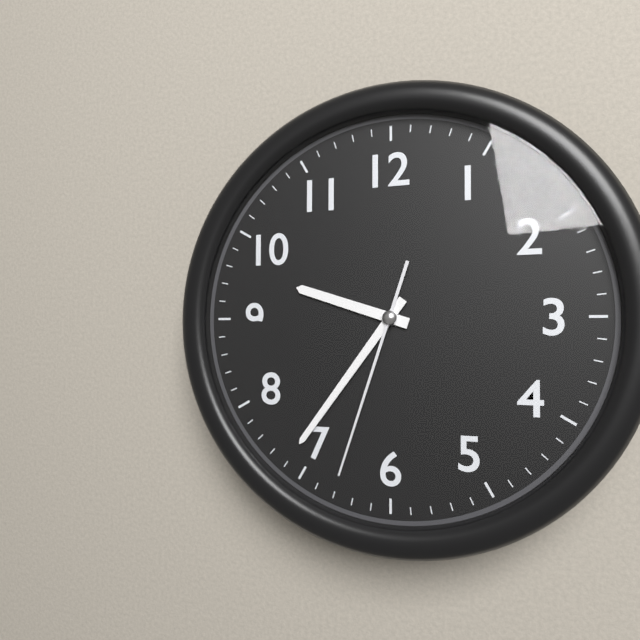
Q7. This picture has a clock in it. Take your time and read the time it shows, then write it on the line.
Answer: 9:36:33
